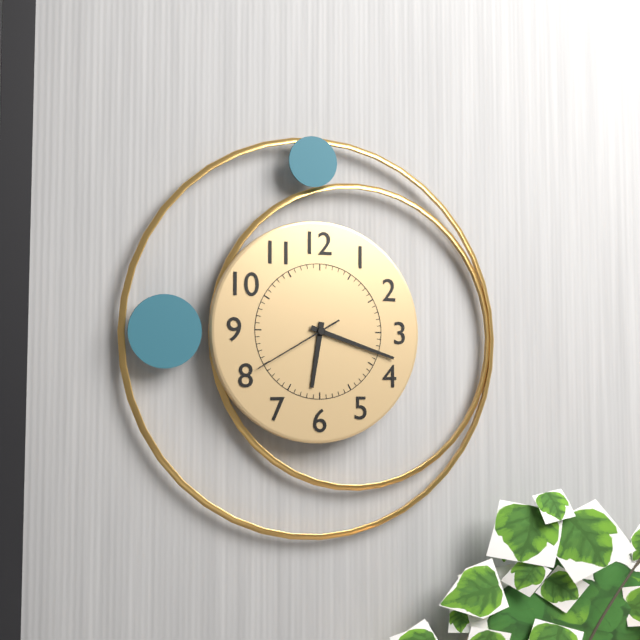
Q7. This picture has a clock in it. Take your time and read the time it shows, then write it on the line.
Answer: 6:18:40
